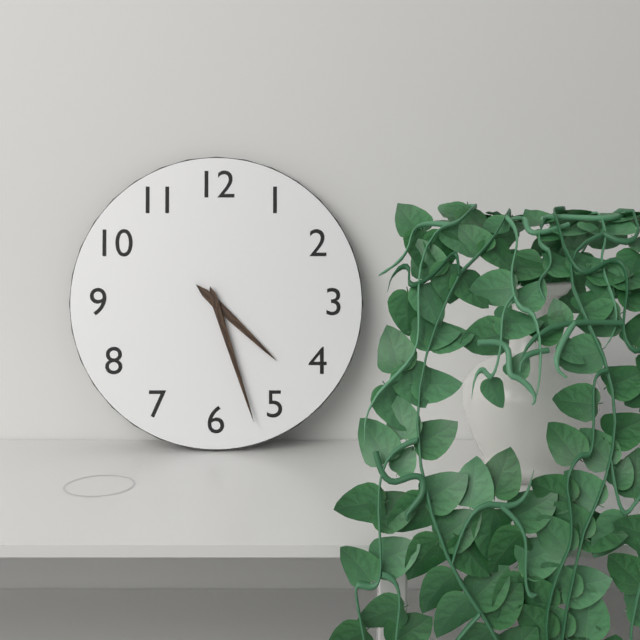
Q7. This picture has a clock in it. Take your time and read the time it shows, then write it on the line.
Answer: 4:27
